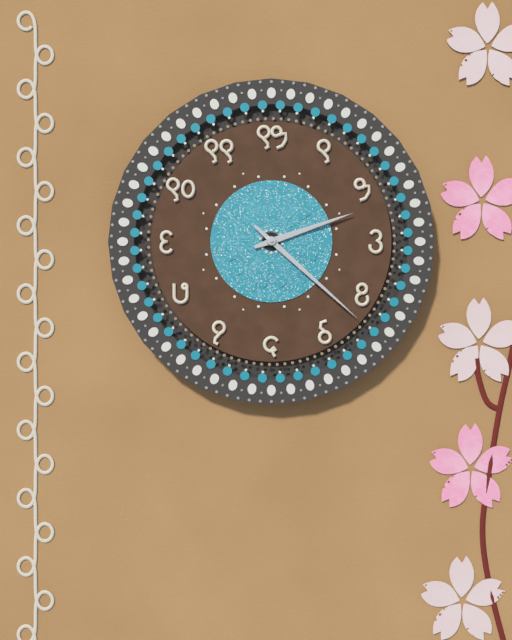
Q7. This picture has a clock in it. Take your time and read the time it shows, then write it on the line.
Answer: 2:22
